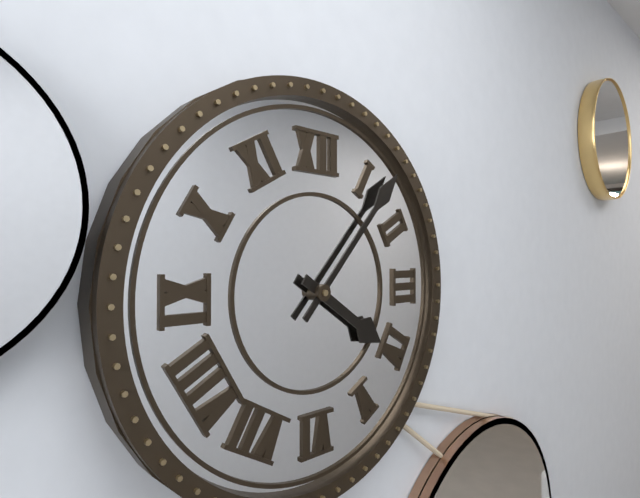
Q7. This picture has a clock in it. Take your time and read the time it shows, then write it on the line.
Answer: 4:07
